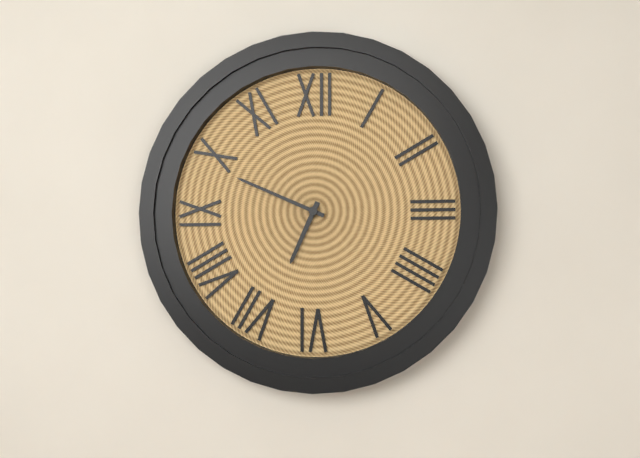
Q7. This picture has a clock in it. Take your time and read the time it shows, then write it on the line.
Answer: 6:49
